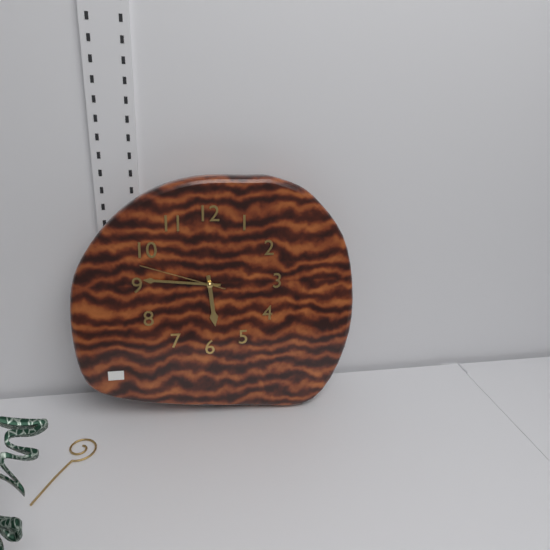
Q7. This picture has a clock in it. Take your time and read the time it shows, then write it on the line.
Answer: 5:46:48
